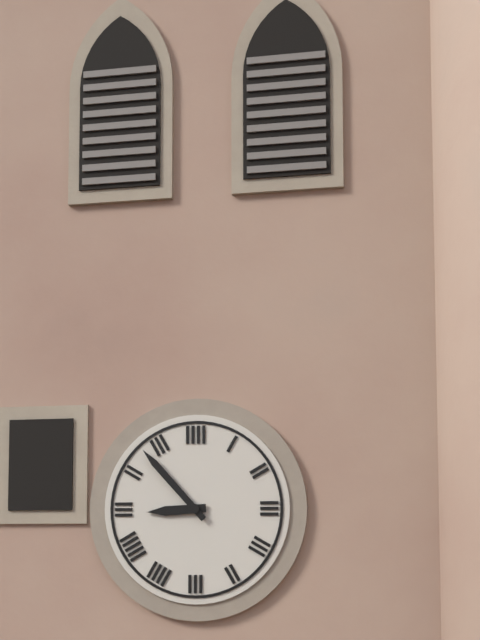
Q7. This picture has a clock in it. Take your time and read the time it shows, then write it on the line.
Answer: 8:53
